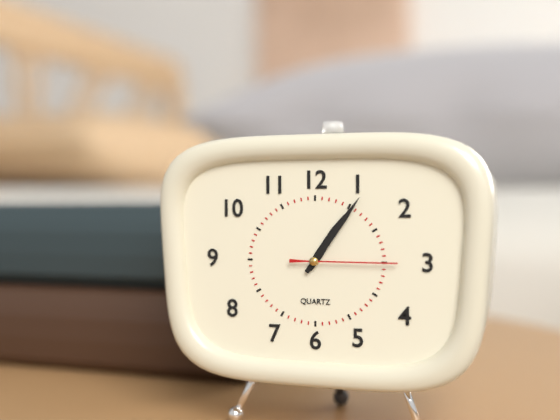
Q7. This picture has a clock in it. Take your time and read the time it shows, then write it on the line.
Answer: 1:06:15
